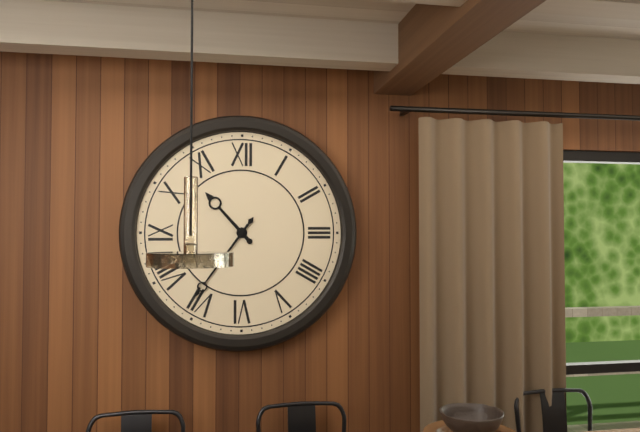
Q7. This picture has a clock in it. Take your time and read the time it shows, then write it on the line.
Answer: 10:36
